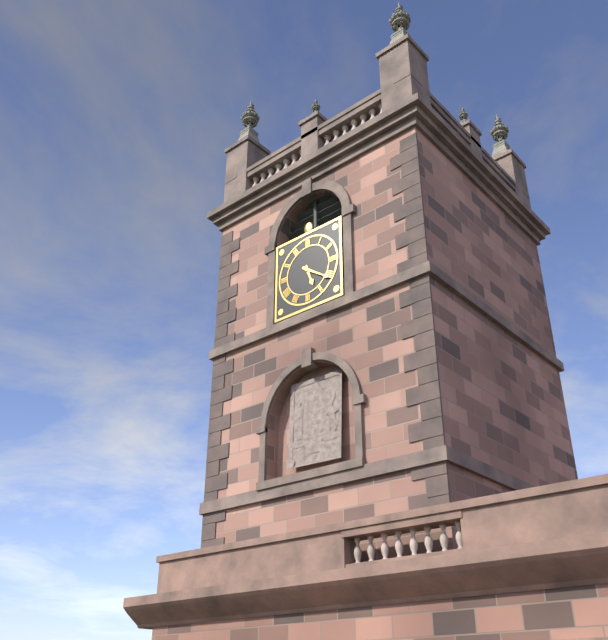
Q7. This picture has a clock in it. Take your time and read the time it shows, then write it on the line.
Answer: 5:21
